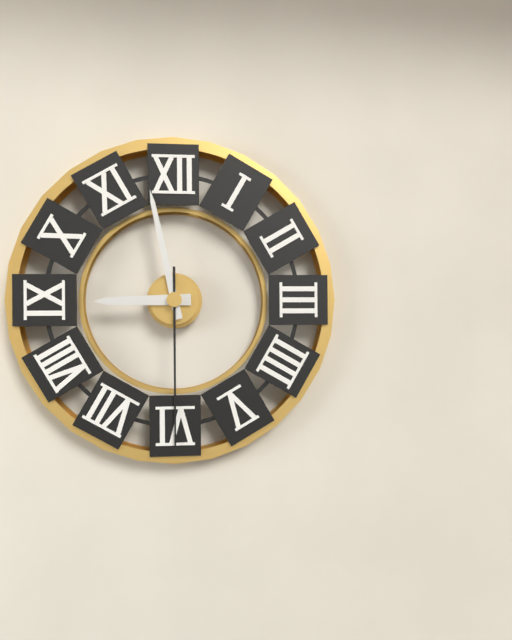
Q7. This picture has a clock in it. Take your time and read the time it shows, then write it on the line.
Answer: 8:58:30
